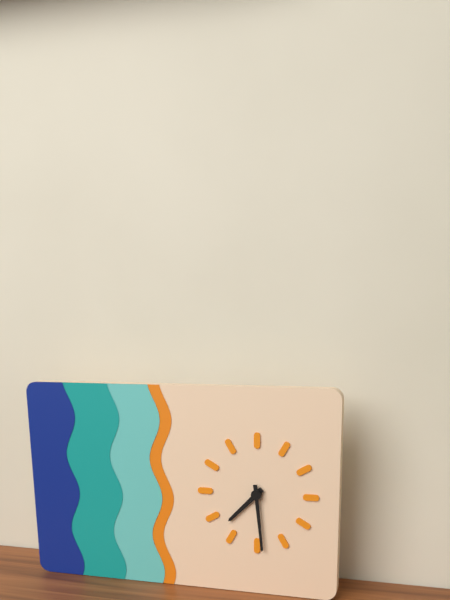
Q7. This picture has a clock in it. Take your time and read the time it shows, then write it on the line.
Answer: 7:29
